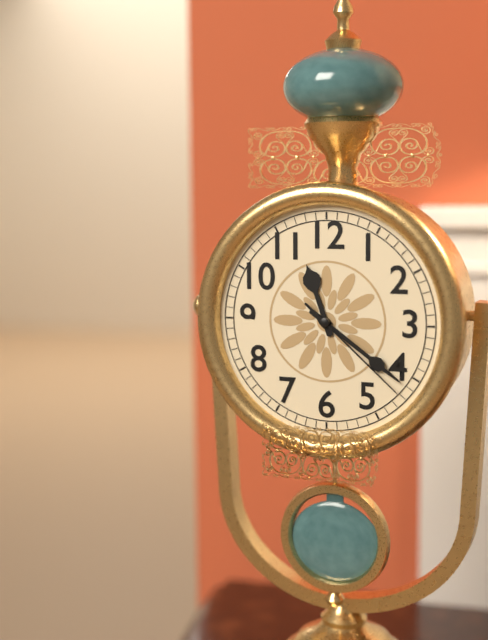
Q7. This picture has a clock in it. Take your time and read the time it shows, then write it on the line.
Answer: 11:21:22
